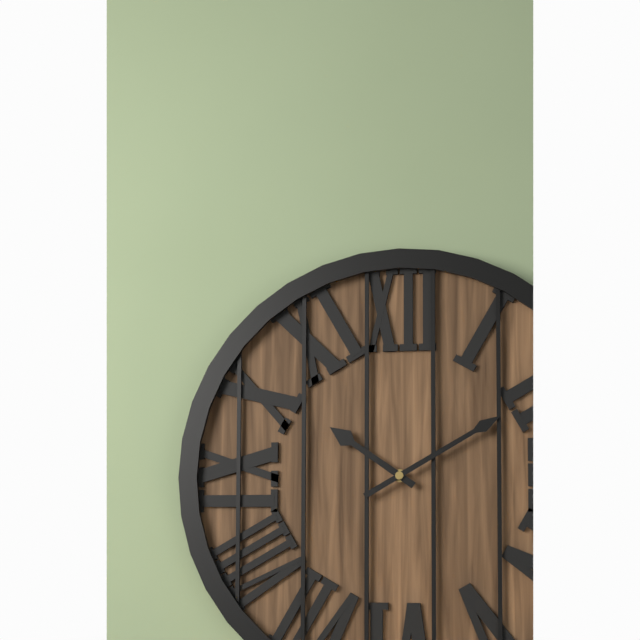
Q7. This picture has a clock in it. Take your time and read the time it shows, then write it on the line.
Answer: 10:10
